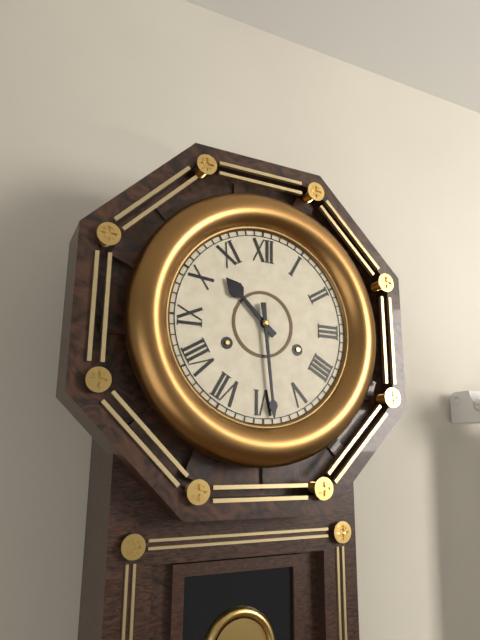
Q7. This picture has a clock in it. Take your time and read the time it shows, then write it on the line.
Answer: 10:29
